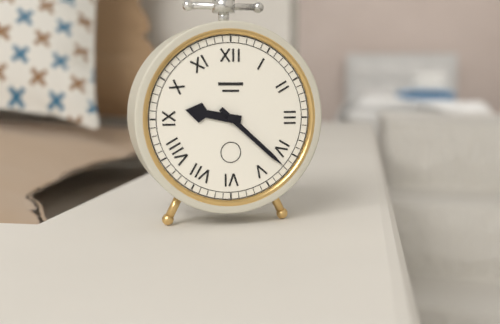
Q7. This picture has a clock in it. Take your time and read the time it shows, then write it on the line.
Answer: 9:22
